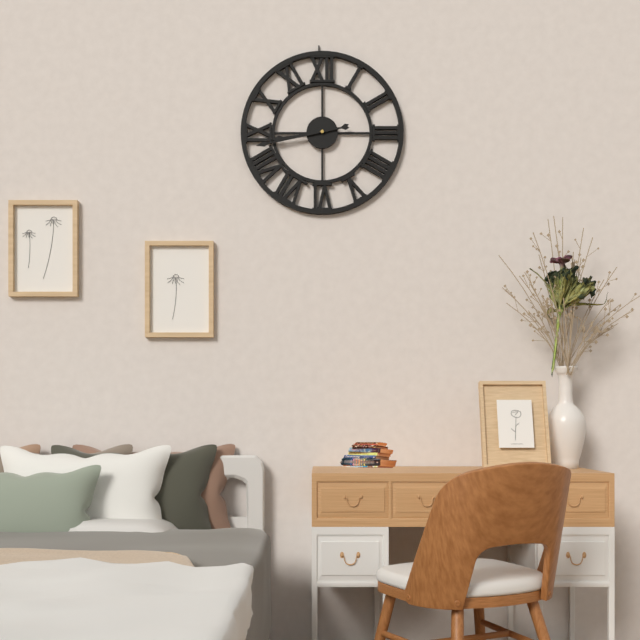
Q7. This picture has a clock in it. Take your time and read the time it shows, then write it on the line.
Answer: 8:43
